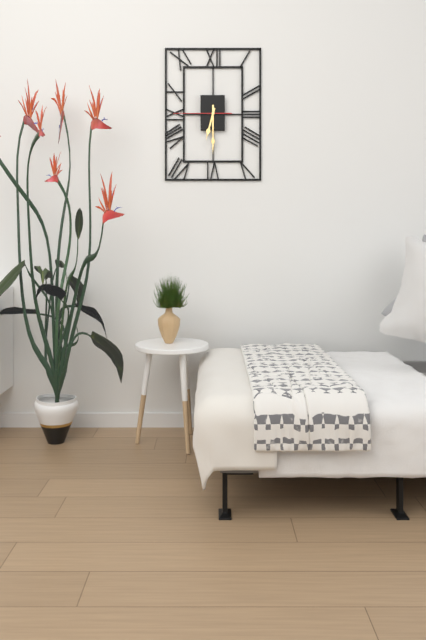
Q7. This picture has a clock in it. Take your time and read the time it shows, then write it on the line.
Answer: 6:30
